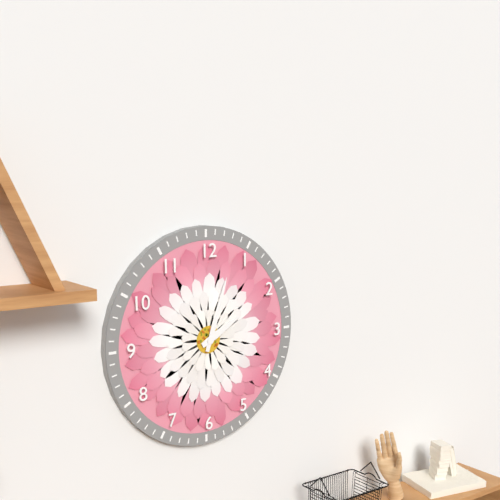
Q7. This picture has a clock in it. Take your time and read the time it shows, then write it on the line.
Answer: 2:03
